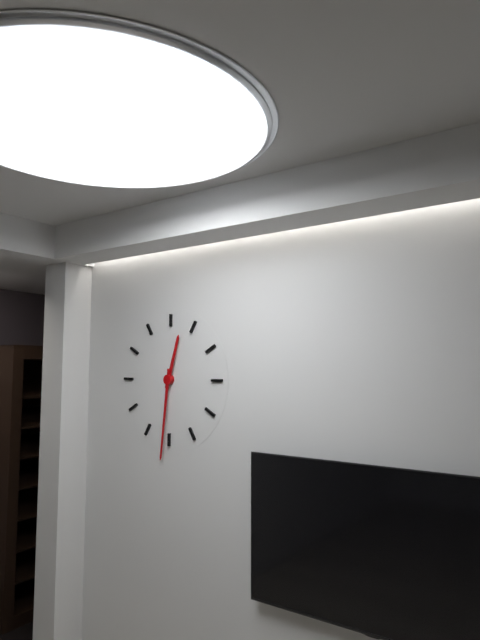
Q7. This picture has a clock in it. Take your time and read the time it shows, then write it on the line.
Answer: 12:31
